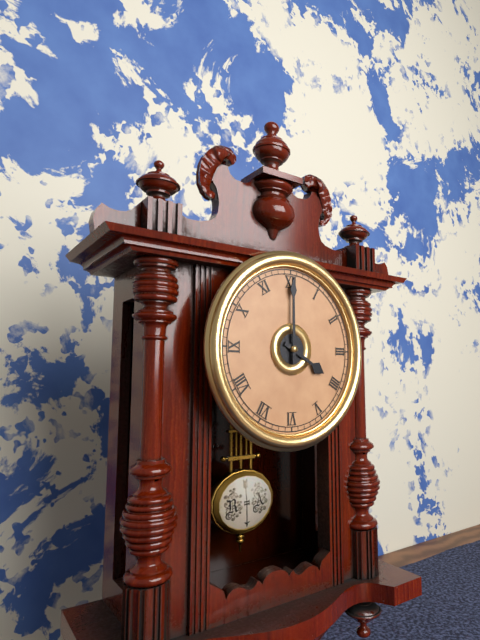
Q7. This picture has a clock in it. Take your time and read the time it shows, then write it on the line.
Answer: 4:00
